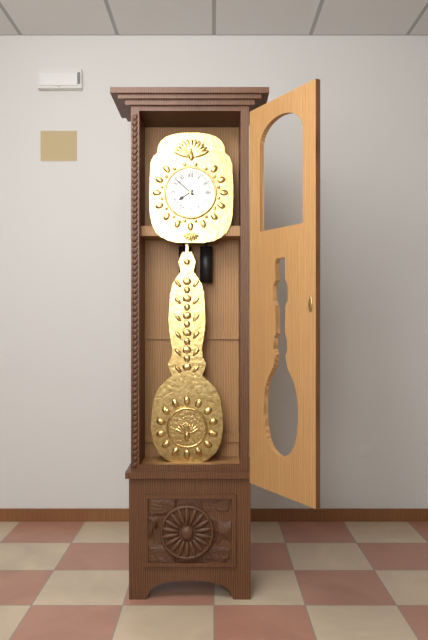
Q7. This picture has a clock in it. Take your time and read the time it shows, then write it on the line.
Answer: 7:52
